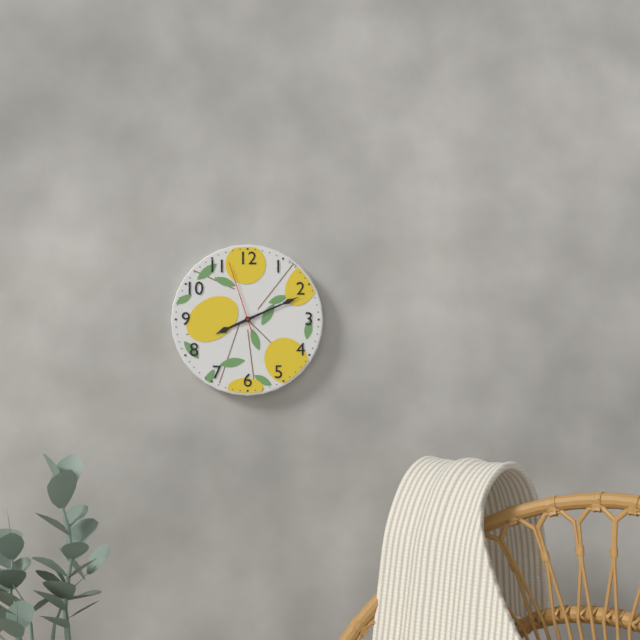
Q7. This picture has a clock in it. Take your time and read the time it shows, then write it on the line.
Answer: 8:11:57
